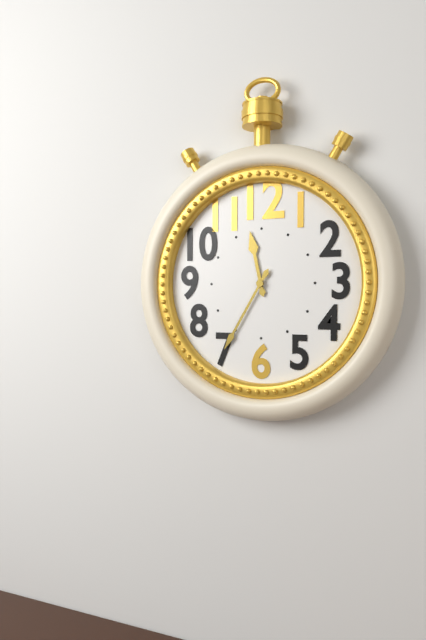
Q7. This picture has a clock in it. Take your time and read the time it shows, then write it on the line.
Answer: 11:35
